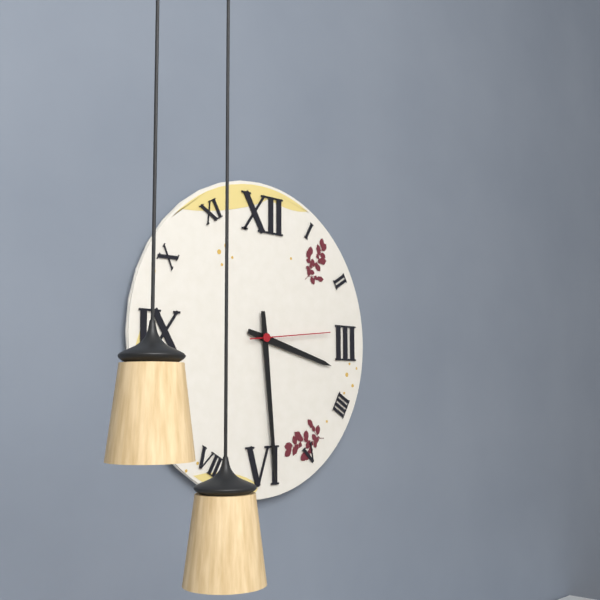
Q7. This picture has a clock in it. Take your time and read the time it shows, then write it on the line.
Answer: 3:29:14
